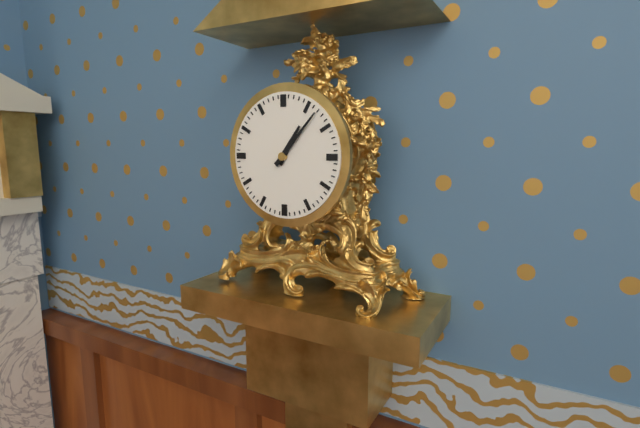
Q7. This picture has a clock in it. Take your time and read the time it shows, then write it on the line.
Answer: 1:07
